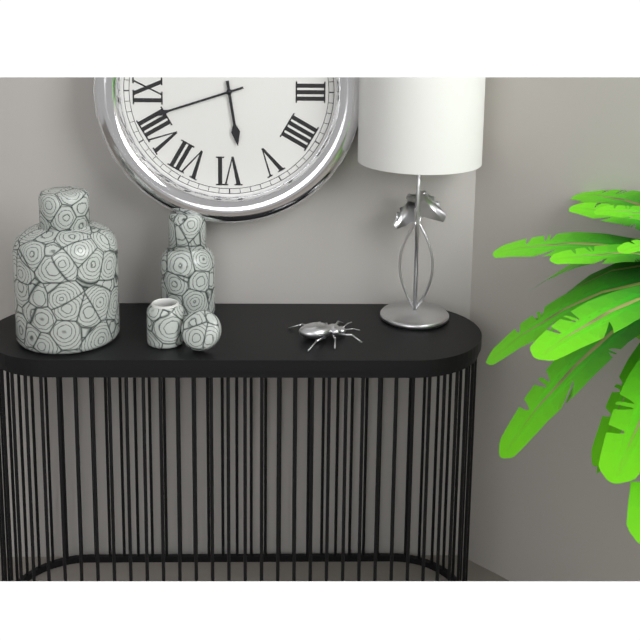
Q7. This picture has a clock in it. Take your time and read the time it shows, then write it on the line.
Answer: 5:42
